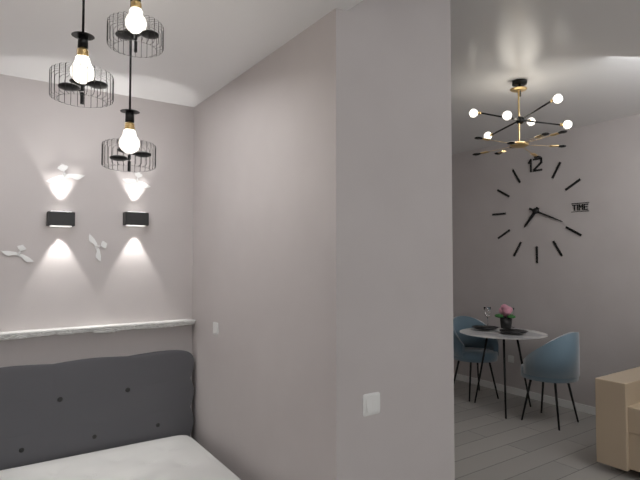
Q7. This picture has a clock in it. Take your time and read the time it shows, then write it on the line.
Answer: 7:19
